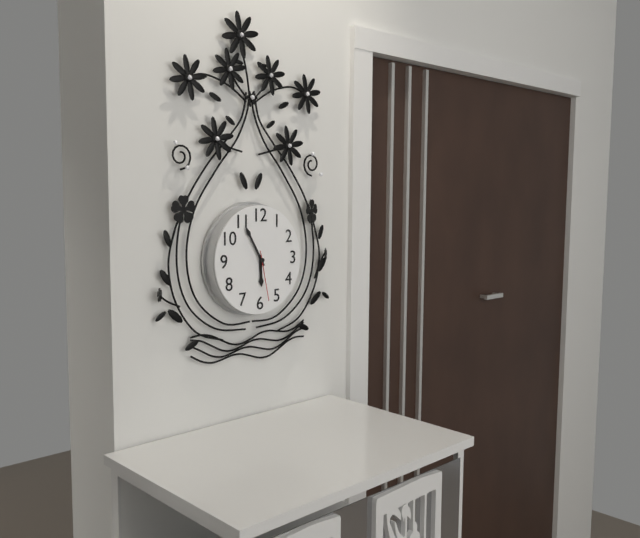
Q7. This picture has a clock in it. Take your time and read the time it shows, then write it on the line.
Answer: 5:55:28
